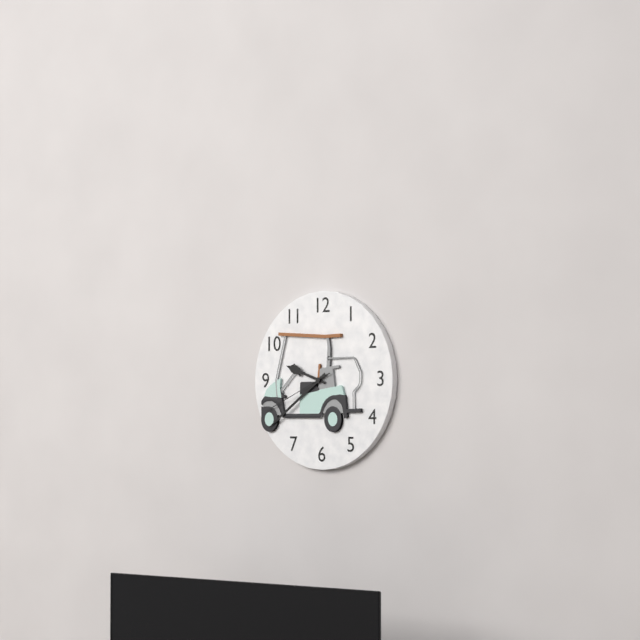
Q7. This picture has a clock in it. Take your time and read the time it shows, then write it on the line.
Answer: 9:39:41
